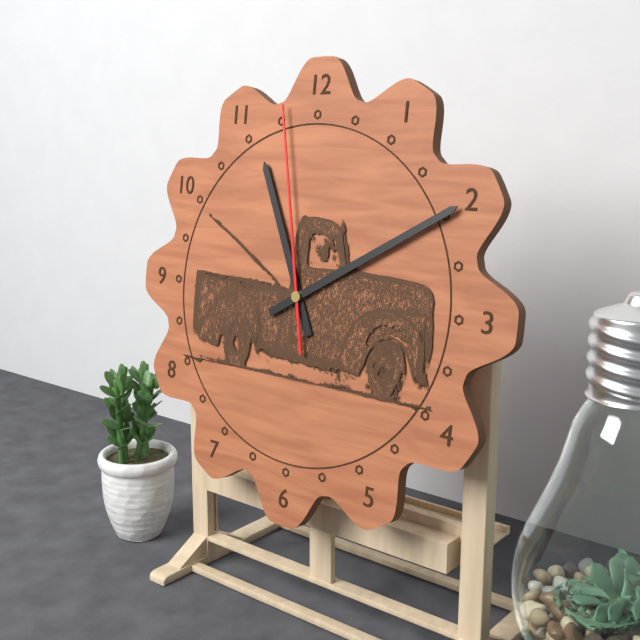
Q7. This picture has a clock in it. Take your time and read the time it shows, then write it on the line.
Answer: 11:10:58
